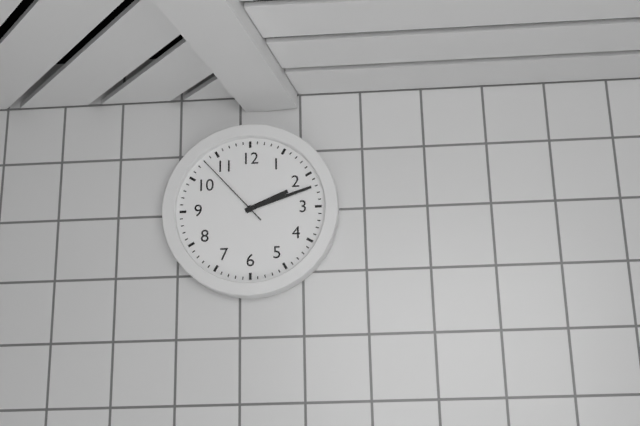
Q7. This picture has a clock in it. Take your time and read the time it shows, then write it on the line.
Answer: 2:12:53
